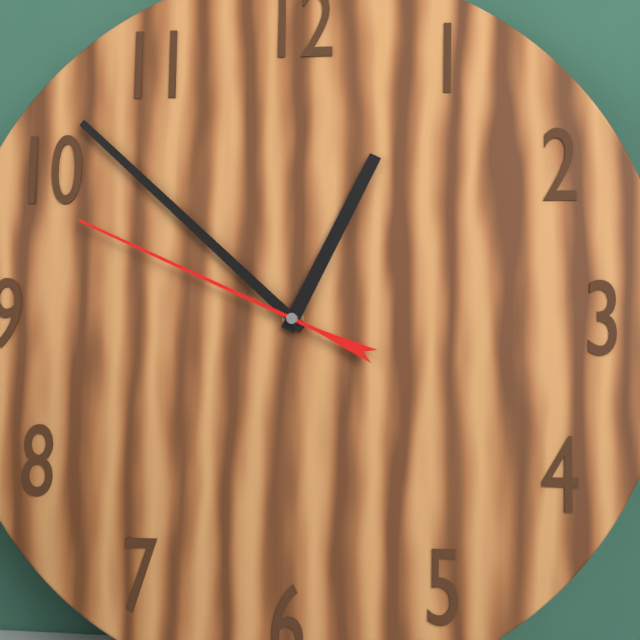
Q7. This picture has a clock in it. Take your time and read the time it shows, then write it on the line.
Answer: 12:52:49
